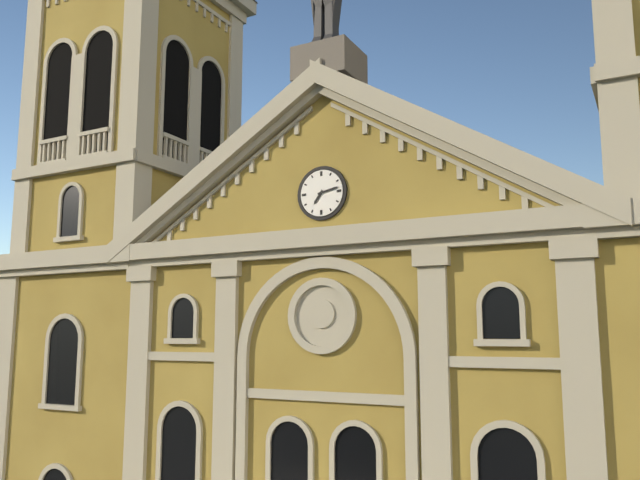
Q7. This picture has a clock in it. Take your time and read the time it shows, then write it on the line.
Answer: 7:13
